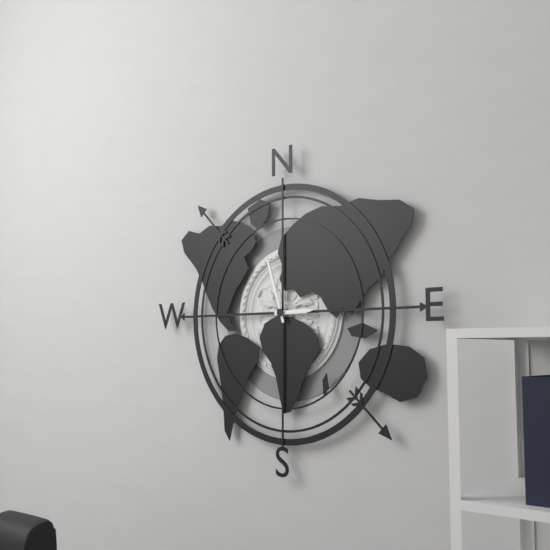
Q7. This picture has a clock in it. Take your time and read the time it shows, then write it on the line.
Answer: 2:57
